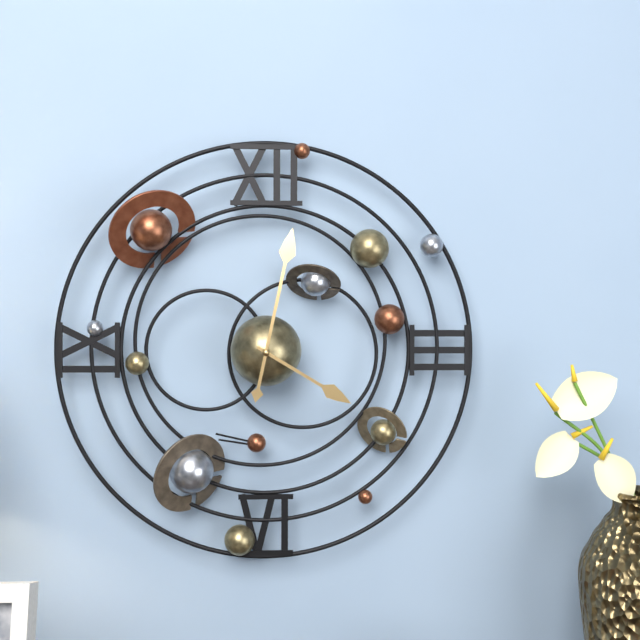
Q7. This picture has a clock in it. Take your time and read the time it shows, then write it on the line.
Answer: 4:02
